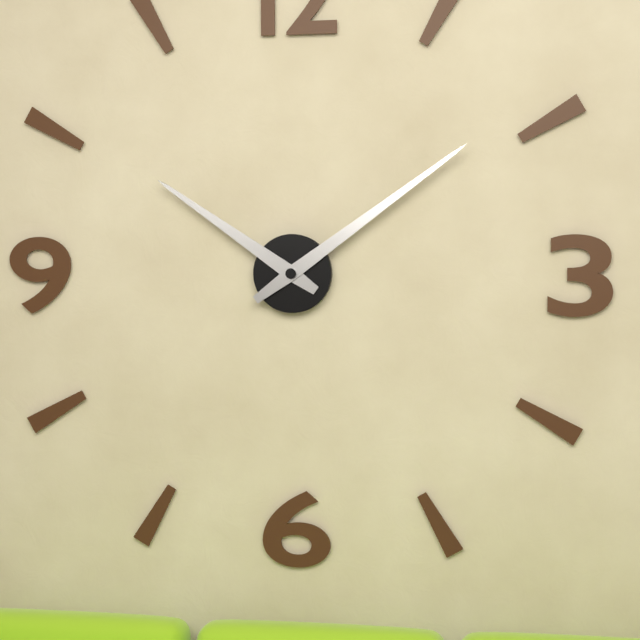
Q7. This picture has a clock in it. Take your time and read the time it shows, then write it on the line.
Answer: 10:09
